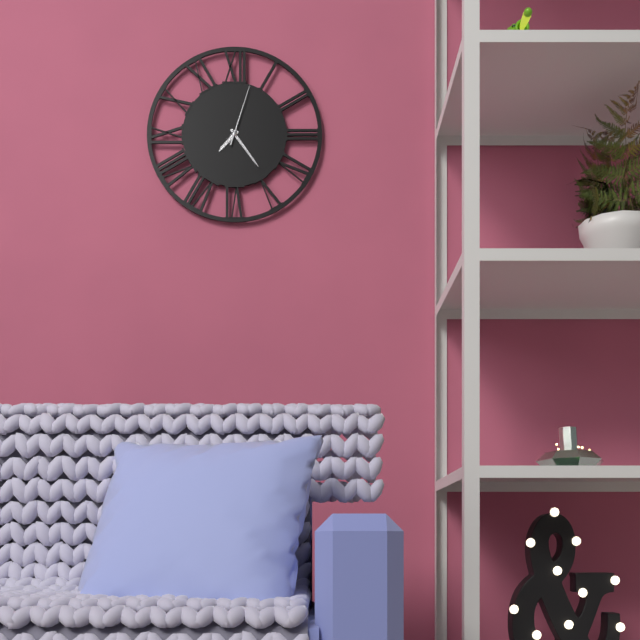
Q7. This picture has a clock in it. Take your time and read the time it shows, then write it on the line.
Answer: 7:24:03
